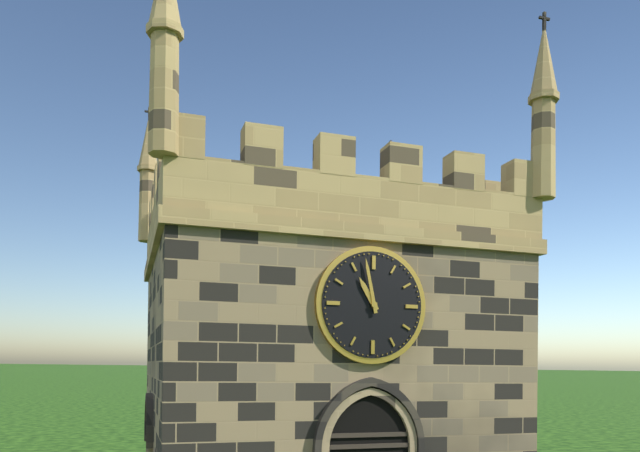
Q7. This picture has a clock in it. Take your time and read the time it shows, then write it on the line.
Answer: 10:58
